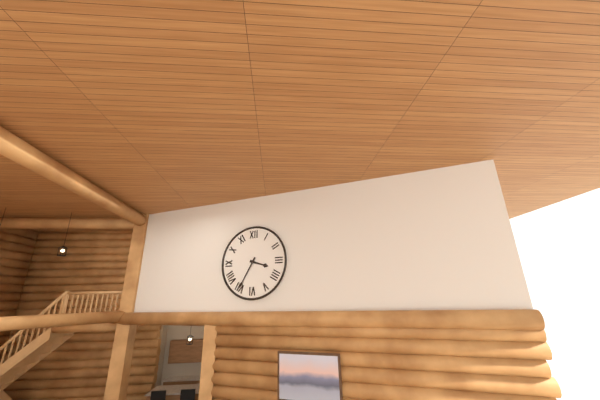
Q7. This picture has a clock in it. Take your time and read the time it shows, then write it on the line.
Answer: 3:35
